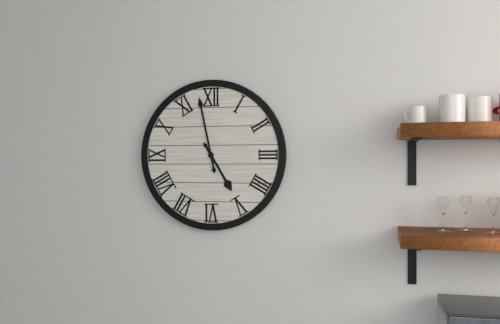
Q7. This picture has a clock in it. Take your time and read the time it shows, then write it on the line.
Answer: 4:58
